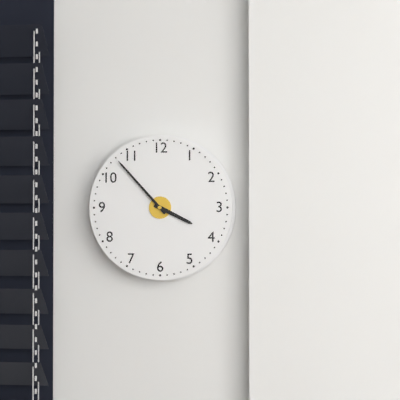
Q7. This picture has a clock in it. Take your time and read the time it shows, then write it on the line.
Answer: 3:53
